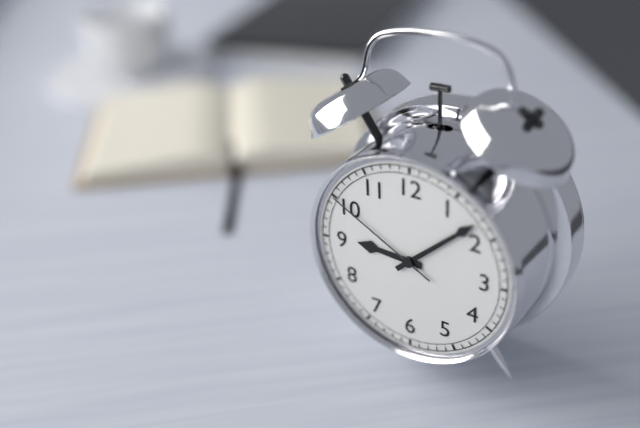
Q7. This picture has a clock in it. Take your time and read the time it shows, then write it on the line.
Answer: 9:08:50
